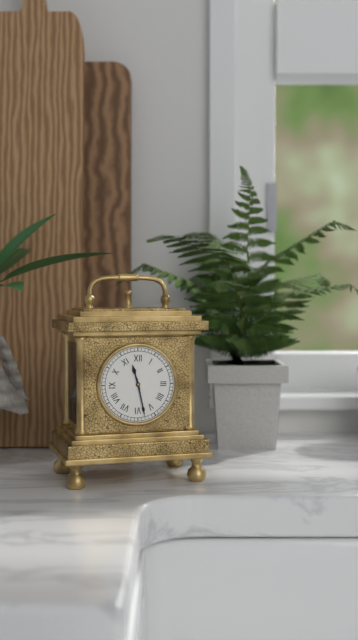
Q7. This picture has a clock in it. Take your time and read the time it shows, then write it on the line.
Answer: 11:28
